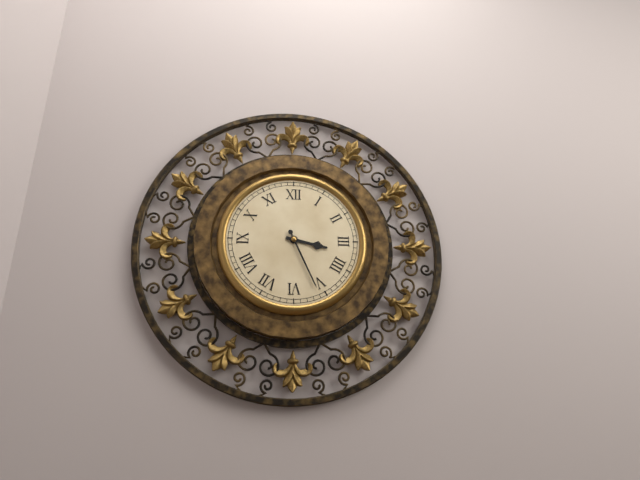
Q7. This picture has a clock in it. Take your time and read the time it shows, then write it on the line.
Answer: 3:26
